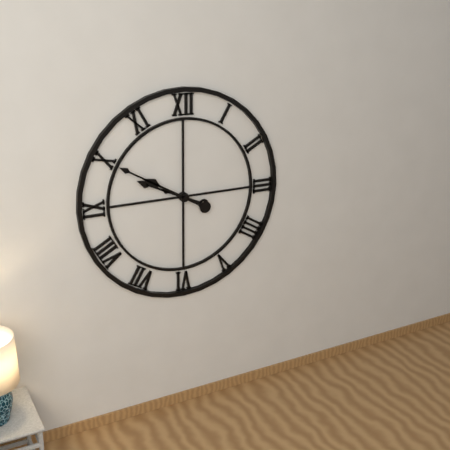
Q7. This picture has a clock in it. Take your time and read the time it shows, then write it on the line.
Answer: 9:50
